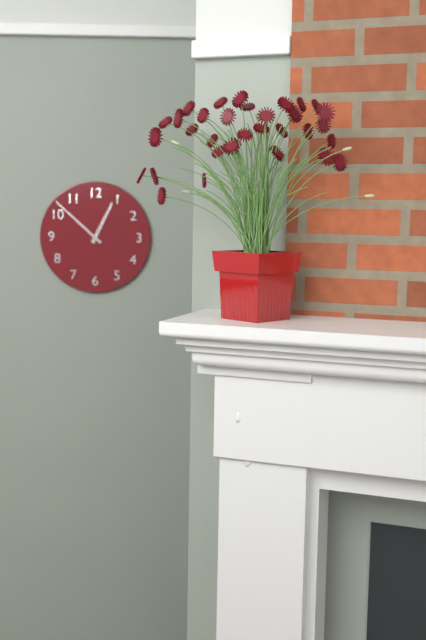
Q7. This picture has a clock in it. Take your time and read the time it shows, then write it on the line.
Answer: 12:52
